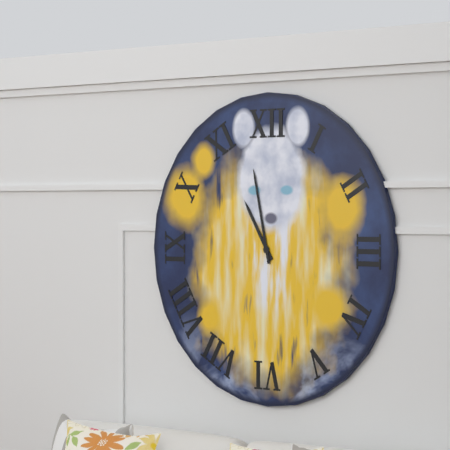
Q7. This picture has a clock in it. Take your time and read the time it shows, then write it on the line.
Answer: 10:58
